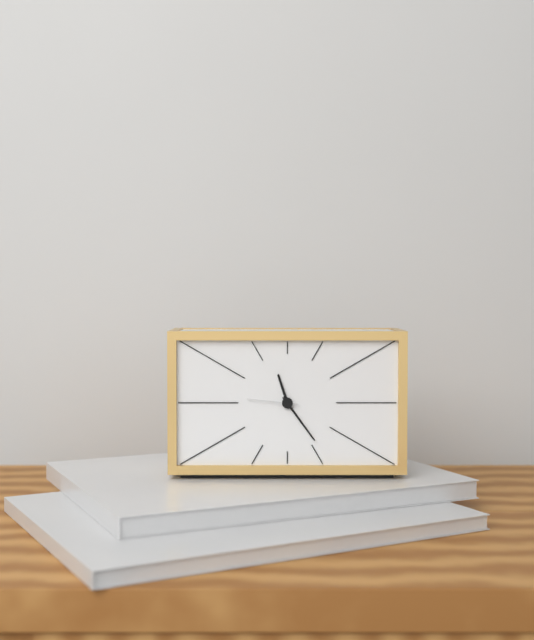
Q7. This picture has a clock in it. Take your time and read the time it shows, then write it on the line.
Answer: 11:24:46
